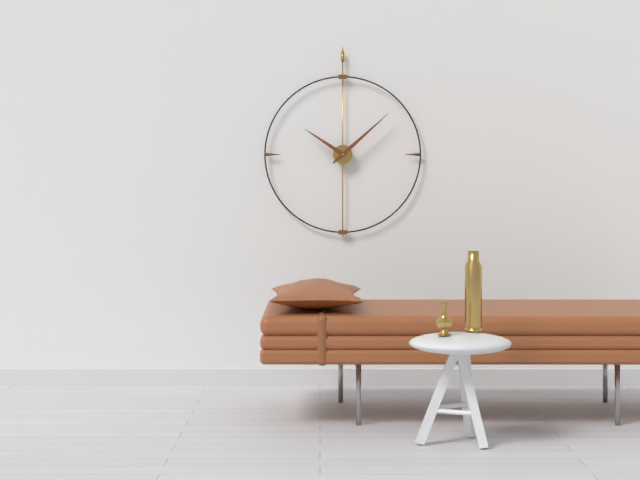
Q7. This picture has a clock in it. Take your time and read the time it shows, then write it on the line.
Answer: 10:08
